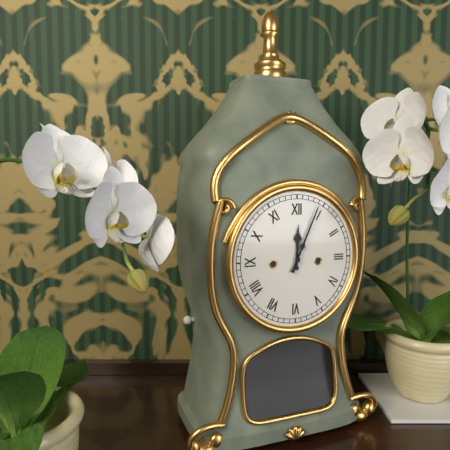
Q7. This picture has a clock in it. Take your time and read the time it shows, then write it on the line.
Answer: 12:04
